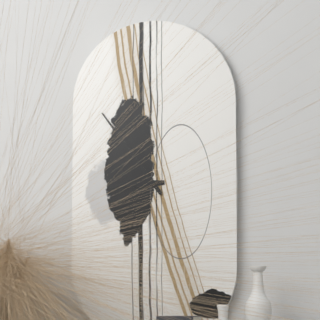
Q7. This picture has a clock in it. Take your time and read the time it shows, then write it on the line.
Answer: 8:54
